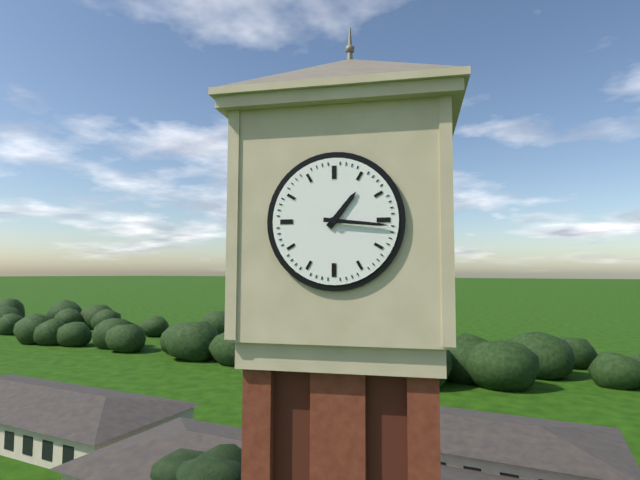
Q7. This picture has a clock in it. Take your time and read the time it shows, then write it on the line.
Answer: 1:16
